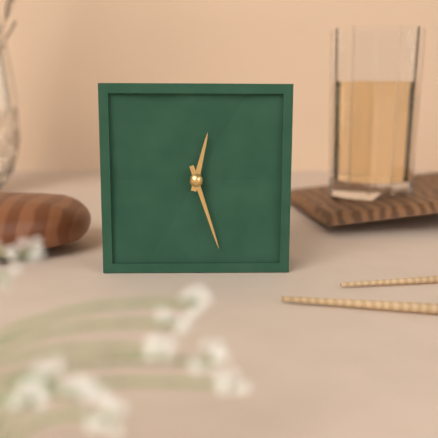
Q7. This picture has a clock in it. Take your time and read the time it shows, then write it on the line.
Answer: 12:27
